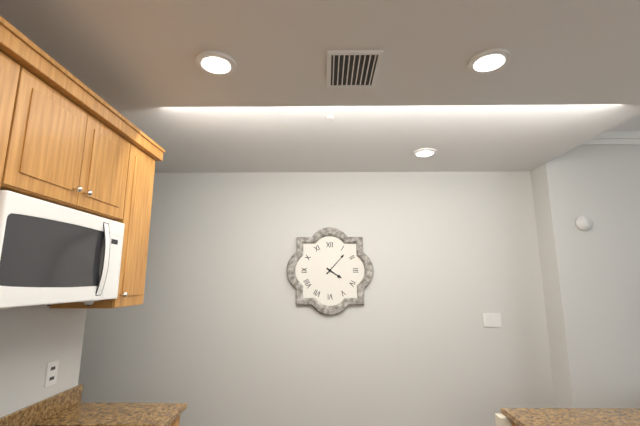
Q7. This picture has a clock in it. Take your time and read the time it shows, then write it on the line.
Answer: 4:07
